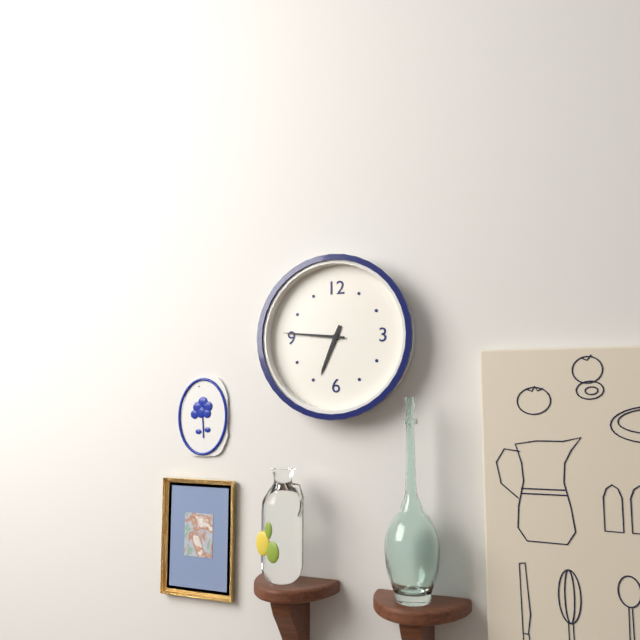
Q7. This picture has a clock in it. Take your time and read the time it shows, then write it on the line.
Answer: 6:46
